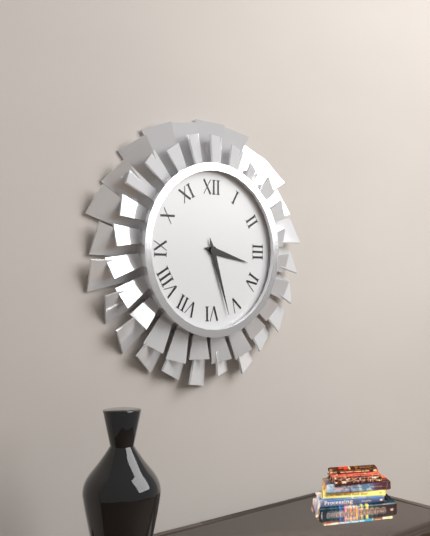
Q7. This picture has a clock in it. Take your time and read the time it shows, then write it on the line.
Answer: 3:27
